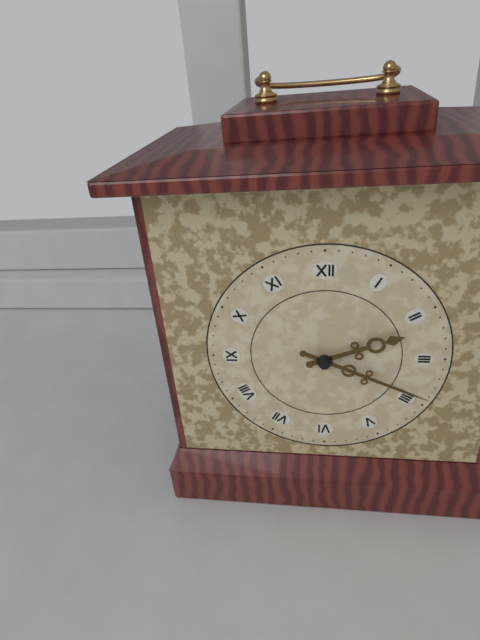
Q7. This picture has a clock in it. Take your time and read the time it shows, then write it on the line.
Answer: 2:19
